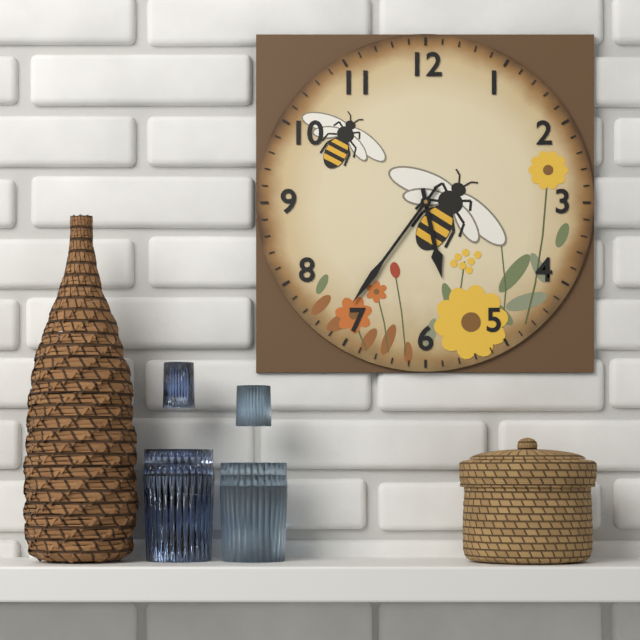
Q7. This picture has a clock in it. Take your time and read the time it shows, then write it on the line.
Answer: 5:36
